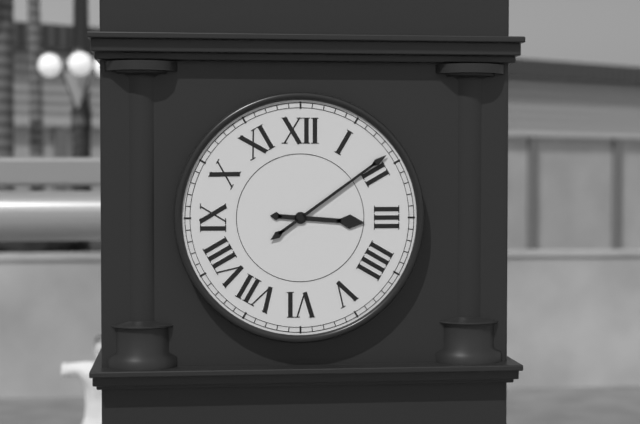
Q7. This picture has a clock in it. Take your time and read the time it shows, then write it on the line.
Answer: 3:09
